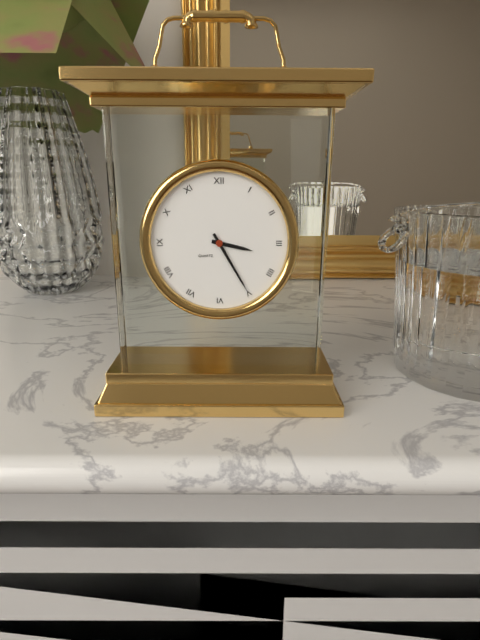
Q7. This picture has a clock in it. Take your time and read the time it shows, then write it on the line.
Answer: 3:25
